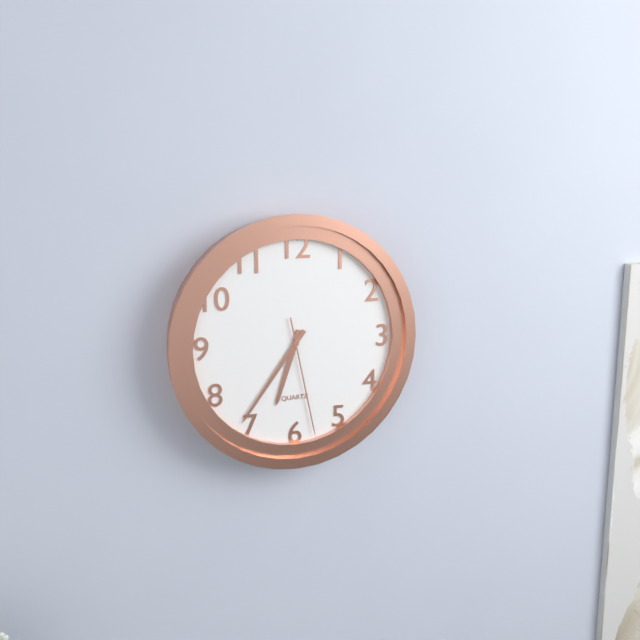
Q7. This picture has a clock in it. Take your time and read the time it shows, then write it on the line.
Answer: 6:36:28
